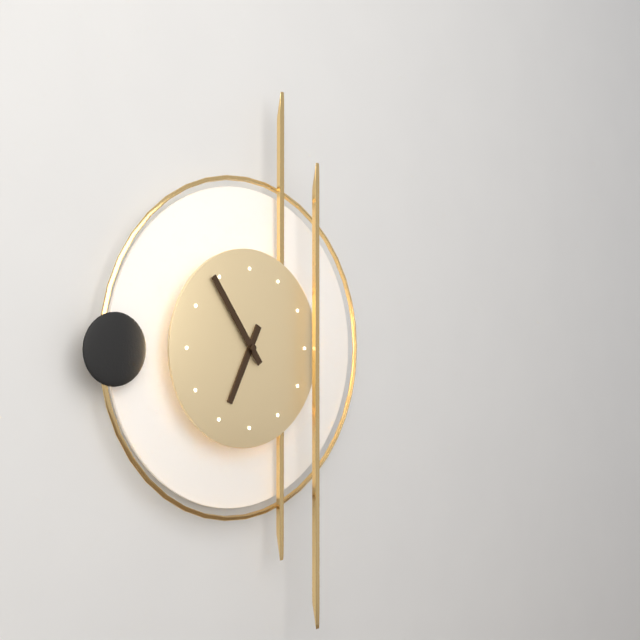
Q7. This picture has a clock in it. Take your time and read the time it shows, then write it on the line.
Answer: 6:54
